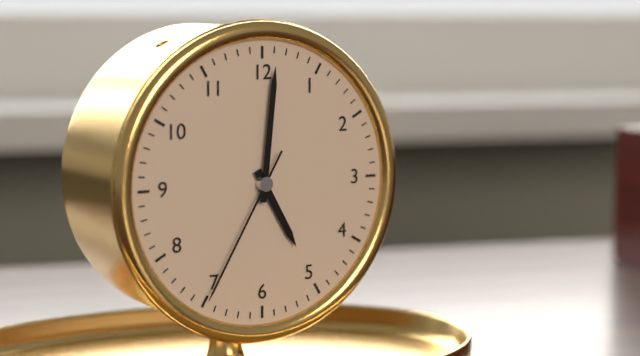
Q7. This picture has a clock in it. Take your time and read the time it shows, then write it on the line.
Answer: 5:01:35
